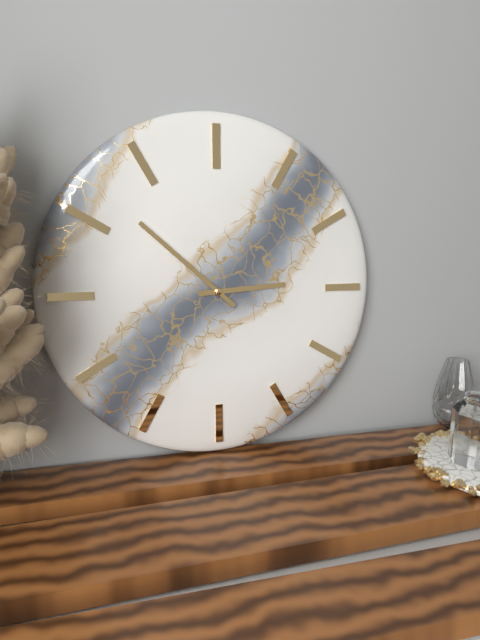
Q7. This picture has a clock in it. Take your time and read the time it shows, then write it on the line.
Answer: 2:52
